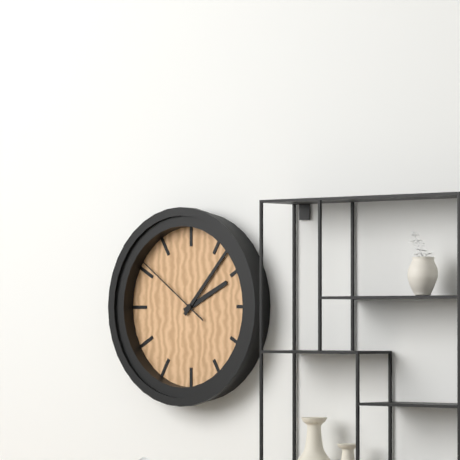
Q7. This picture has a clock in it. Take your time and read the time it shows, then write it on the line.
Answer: 2:07:51
